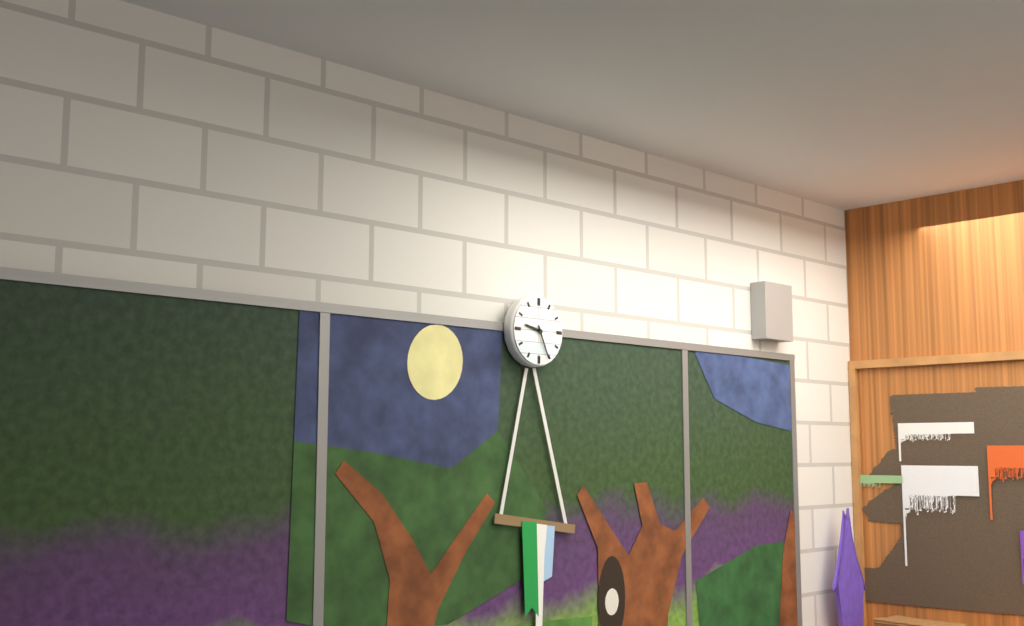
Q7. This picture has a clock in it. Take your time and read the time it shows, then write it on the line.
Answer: 9:26
